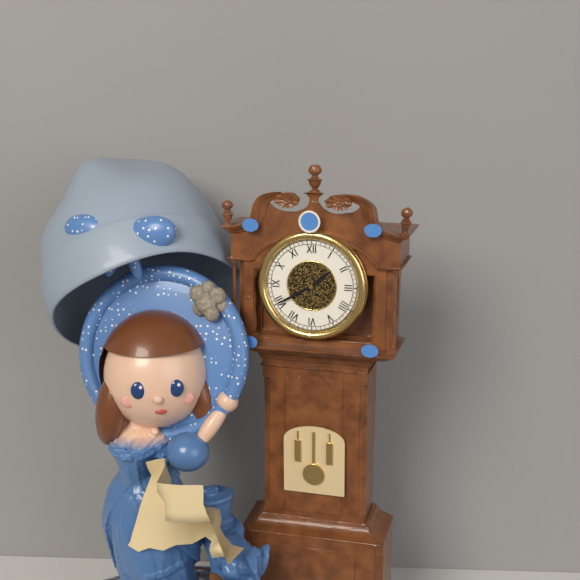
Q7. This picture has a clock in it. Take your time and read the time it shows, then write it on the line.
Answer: 1:40
